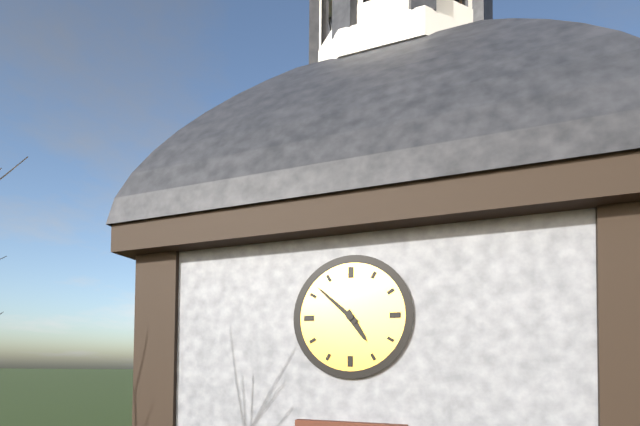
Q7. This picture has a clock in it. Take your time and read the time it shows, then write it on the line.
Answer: 4:52
